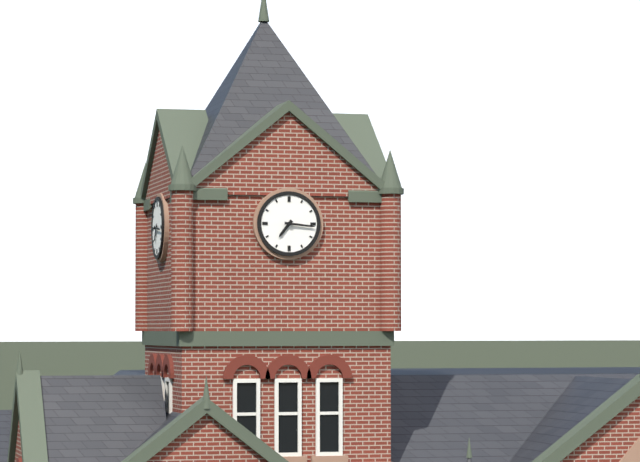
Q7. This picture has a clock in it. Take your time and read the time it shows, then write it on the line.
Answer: 7:16
